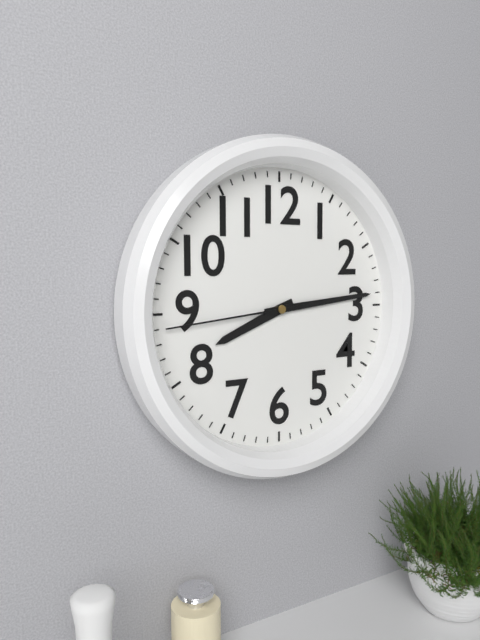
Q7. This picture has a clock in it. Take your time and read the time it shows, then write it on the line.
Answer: 8:14:44
